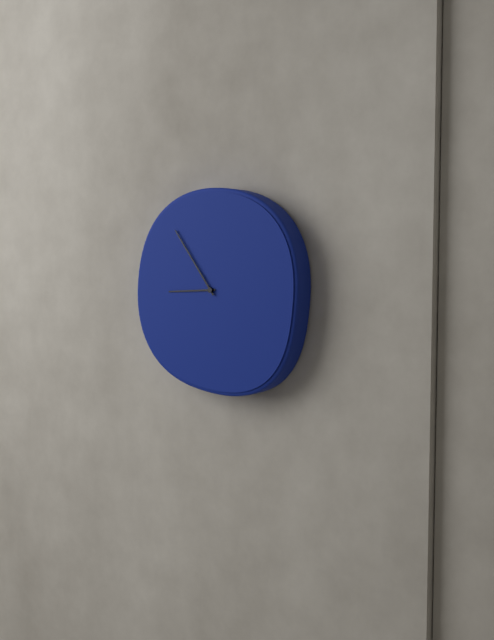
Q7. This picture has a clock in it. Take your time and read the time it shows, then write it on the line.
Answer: 8:54
